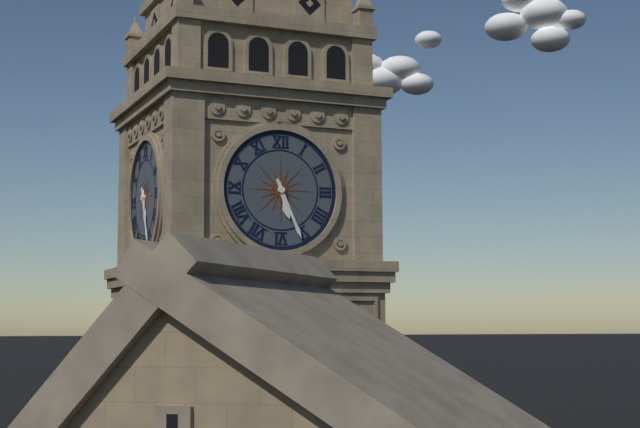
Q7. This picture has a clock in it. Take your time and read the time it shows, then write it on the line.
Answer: 5:26
